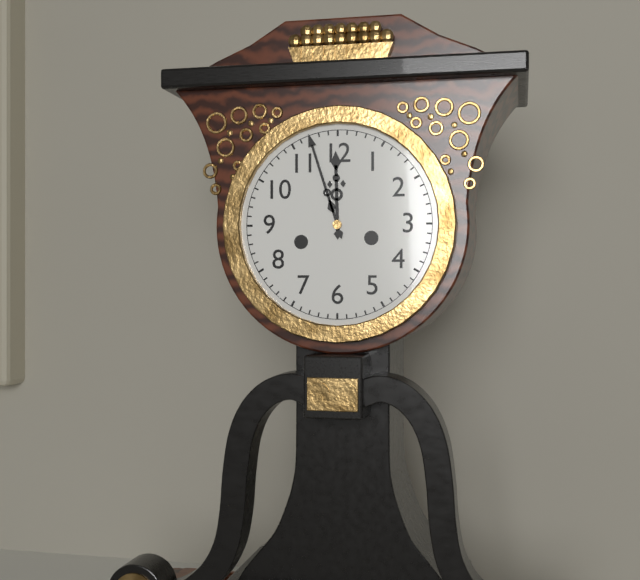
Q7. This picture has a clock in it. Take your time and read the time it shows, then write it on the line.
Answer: 11:57
